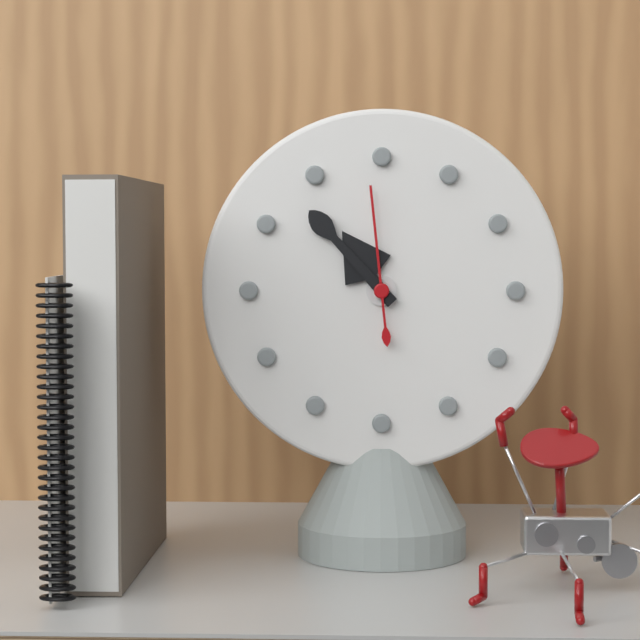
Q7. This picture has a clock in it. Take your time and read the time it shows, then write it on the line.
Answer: 10:53:59
